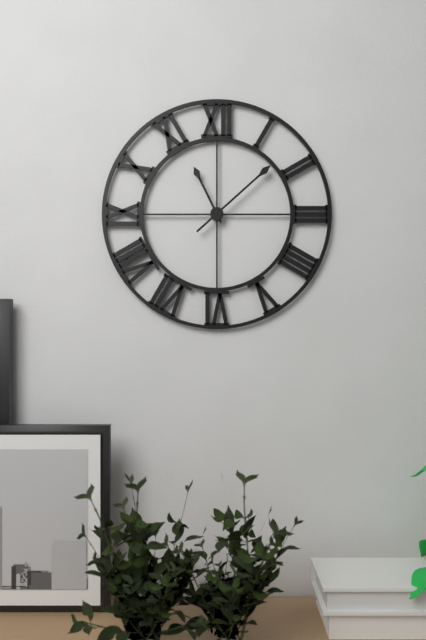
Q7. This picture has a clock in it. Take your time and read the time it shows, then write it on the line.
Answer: 11:08
